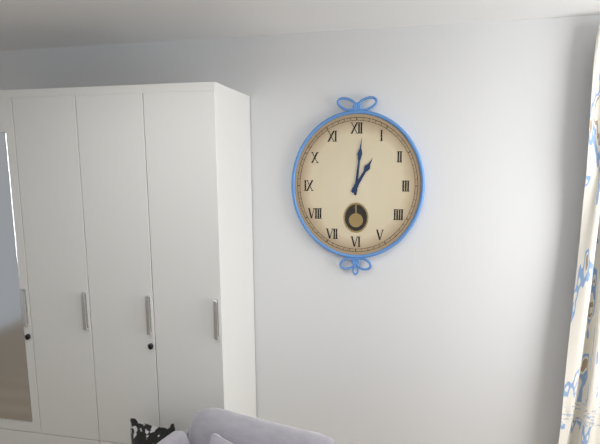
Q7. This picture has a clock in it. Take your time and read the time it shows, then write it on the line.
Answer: 1:01
